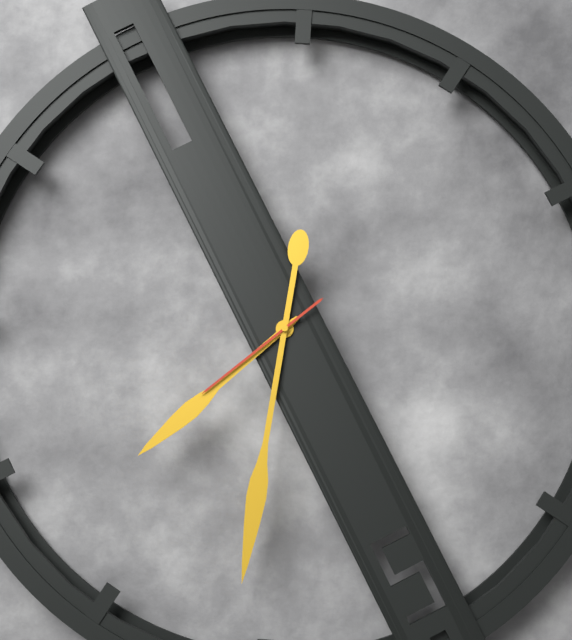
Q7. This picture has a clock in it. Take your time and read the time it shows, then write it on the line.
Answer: 7:31:38
